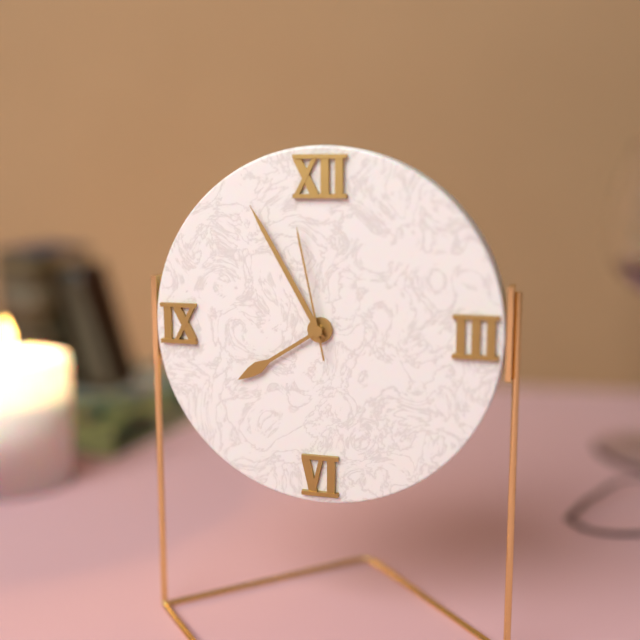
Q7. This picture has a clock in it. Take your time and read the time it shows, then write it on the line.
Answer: 7:55:58
